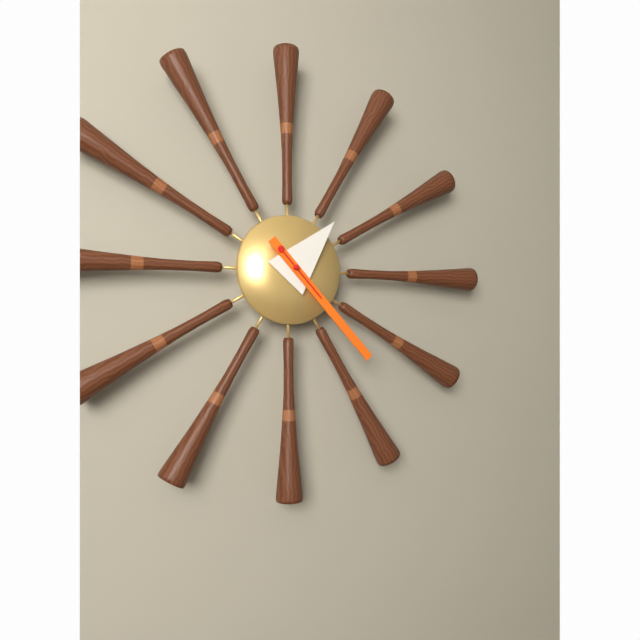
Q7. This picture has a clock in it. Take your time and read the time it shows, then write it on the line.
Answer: 1:23:23
